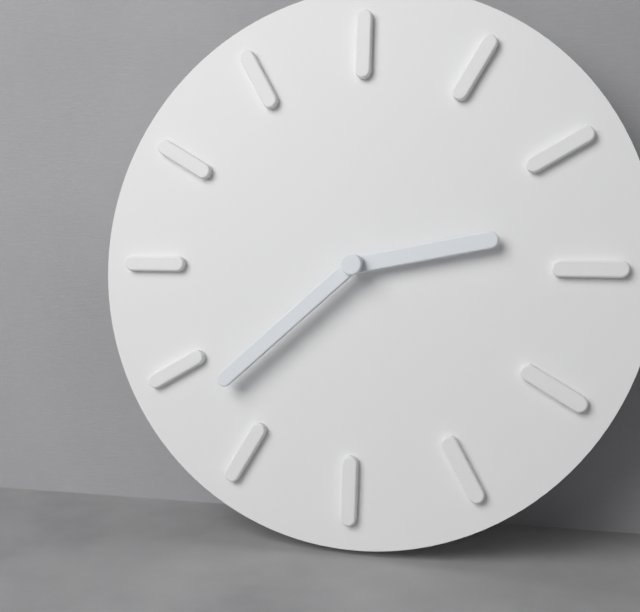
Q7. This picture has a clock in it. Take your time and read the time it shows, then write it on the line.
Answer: 2:38
